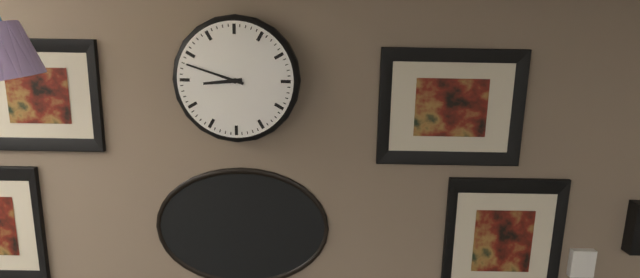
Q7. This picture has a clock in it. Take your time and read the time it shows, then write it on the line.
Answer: 8:48
